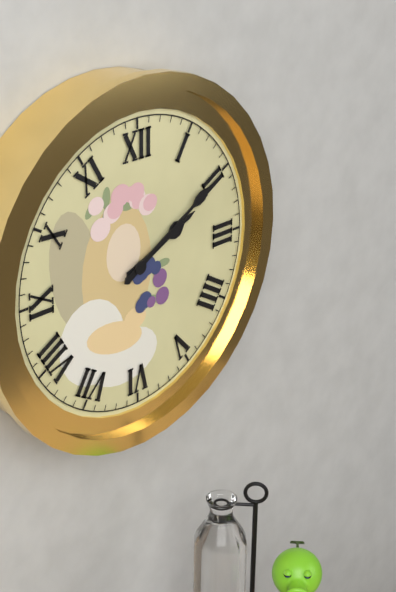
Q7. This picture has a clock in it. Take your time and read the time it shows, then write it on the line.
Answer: 2:10
